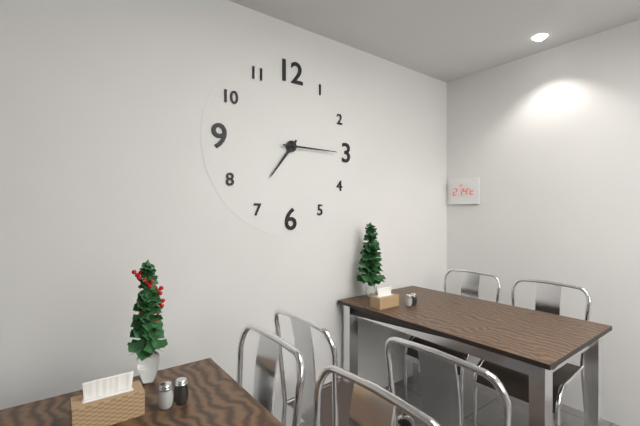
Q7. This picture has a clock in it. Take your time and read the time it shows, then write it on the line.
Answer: 7:15
